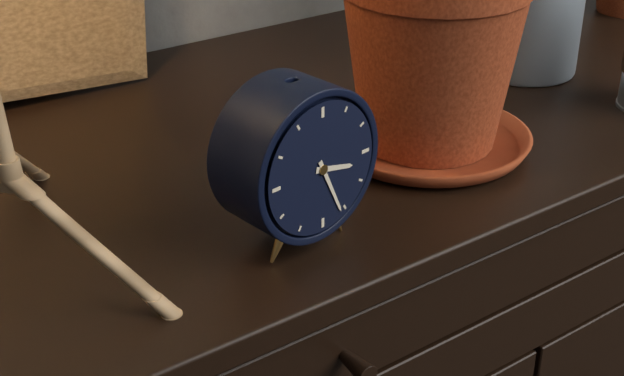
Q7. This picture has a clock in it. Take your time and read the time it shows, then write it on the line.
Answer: 3:26
